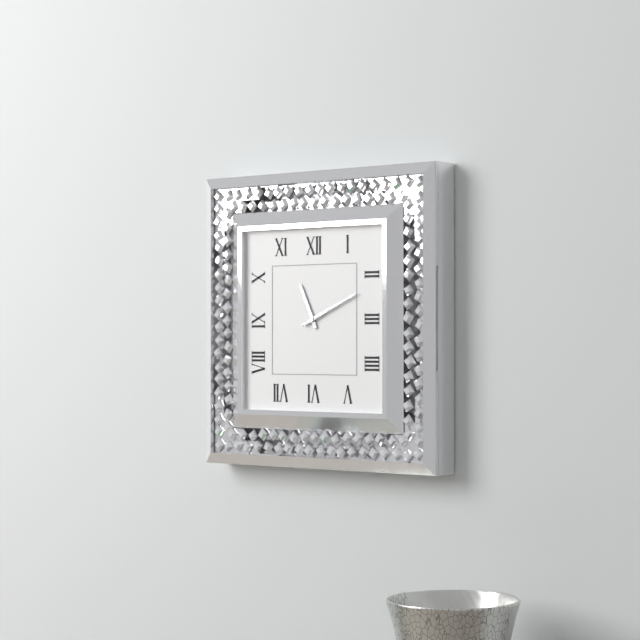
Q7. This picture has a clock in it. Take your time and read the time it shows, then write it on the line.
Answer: 11:11
